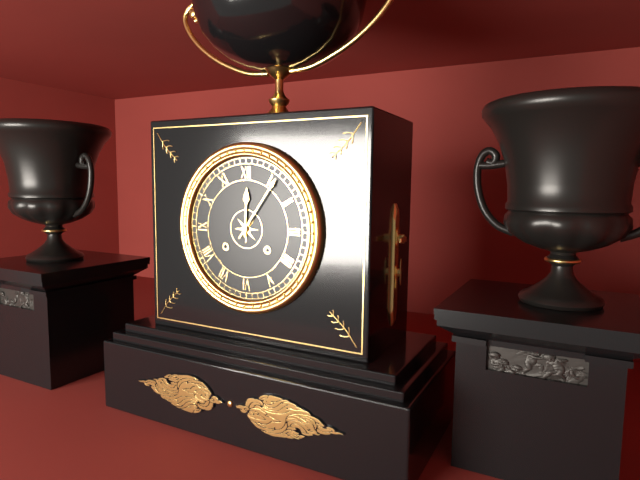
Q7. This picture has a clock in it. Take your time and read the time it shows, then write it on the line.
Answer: 12:06
